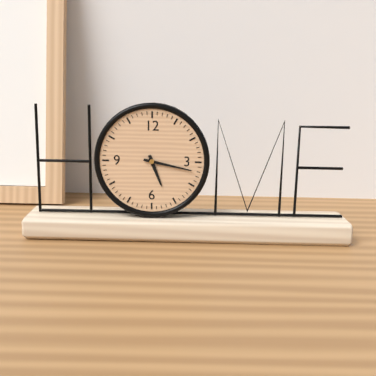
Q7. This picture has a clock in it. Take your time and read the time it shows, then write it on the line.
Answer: 5:17
